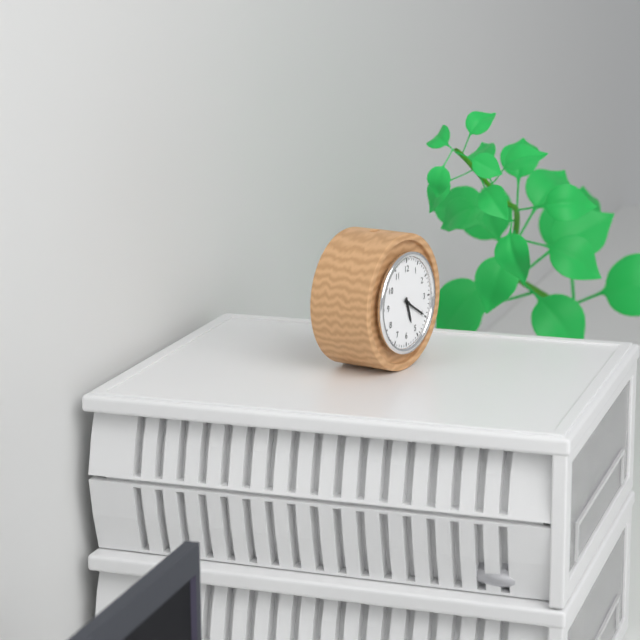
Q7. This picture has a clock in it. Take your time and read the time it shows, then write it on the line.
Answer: 5:20
